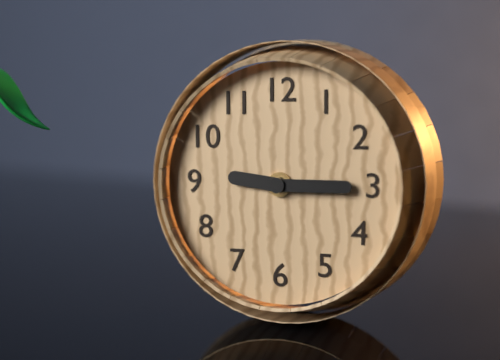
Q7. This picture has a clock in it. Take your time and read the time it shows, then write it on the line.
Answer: 9:15
